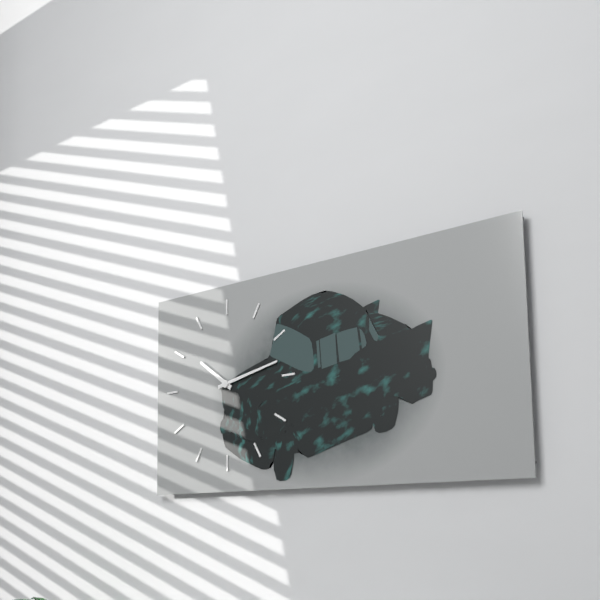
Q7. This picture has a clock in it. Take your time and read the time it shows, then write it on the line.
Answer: 10:13
